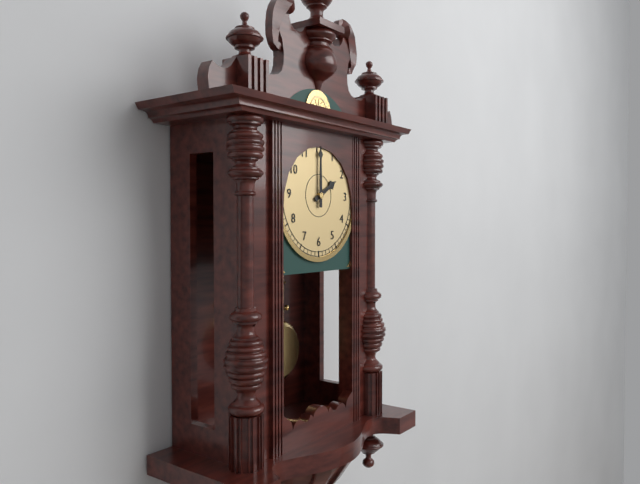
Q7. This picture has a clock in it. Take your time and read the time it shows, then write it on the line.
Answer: 2:00
